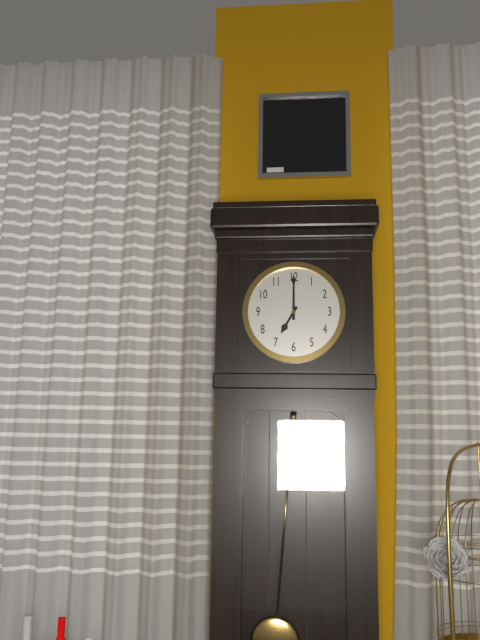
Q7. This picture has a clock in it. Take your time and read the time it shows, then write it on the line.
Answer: 7:00
